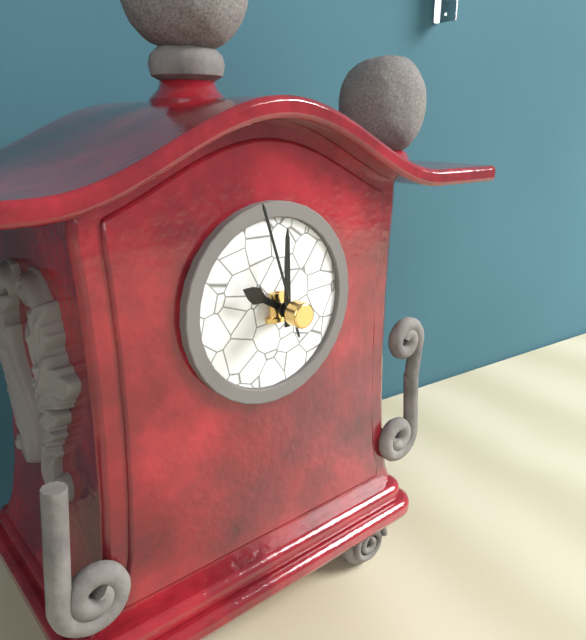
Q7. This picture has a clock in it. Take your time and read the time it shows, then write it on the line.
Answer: 10:00:57
